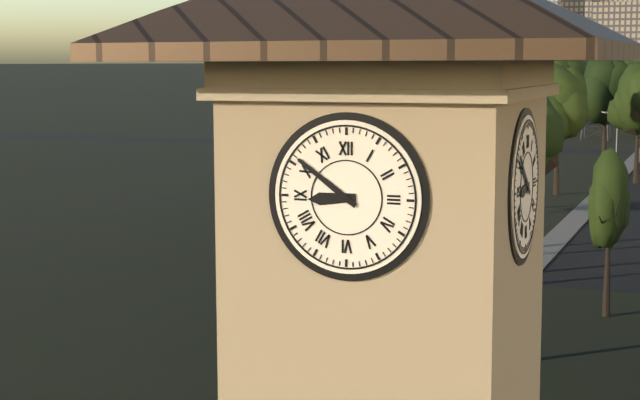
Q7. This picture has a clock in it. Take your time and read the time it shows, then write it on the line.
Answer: 8:51
